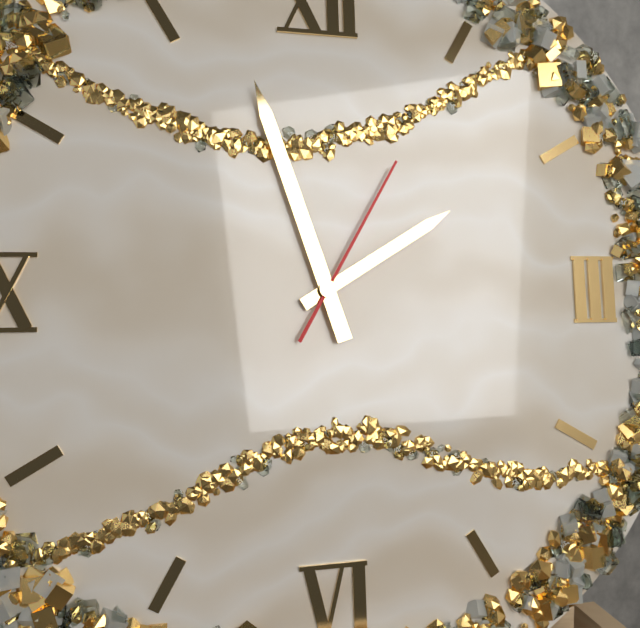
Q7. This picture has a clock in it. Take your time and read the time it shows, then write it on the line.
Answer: 1:57:05
